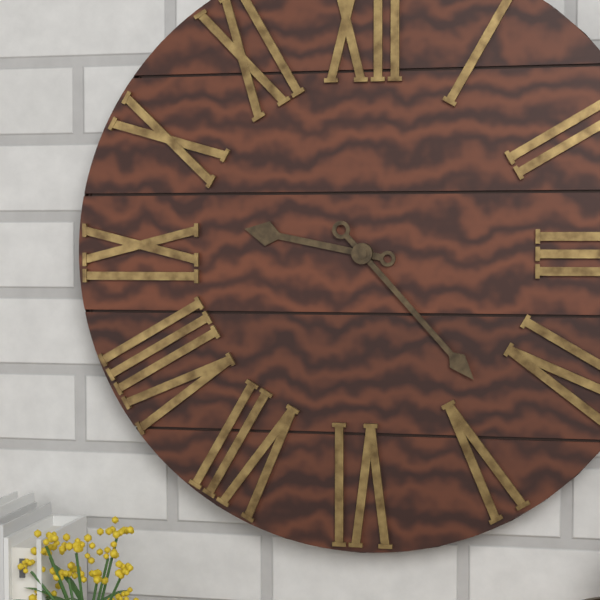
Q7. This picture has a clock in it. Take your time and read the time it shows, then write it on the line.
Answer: 9:23
